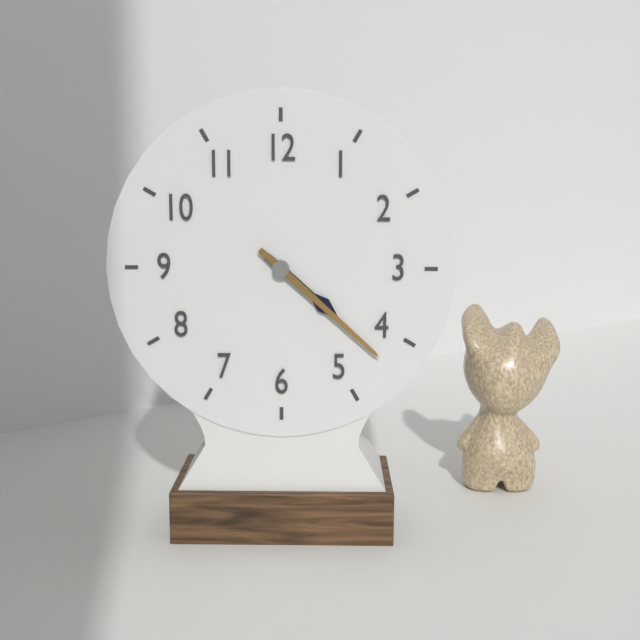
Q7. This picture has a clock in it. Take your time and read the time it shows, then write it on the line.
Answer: 4:22
